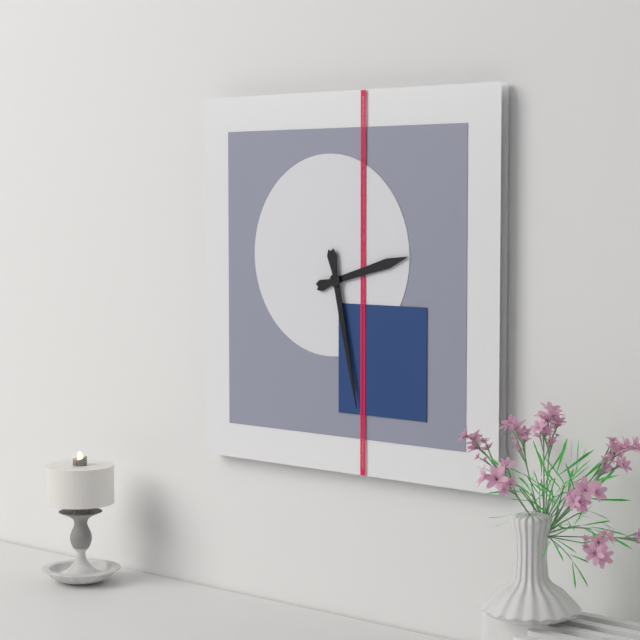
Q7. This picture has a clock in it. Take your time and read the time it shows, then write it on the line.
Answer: 2:28
